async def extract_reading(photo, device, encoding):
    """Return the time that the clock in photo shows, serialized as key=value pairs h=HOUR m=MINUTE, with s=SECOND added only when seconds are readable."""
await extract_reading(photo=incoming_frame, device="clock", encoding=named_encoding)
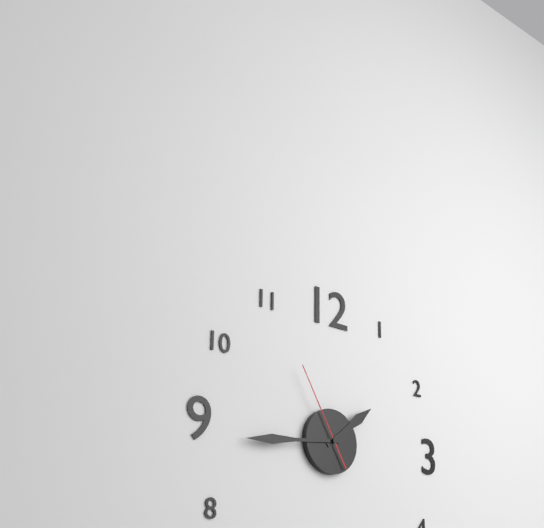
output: h=1 m=44 s=55
